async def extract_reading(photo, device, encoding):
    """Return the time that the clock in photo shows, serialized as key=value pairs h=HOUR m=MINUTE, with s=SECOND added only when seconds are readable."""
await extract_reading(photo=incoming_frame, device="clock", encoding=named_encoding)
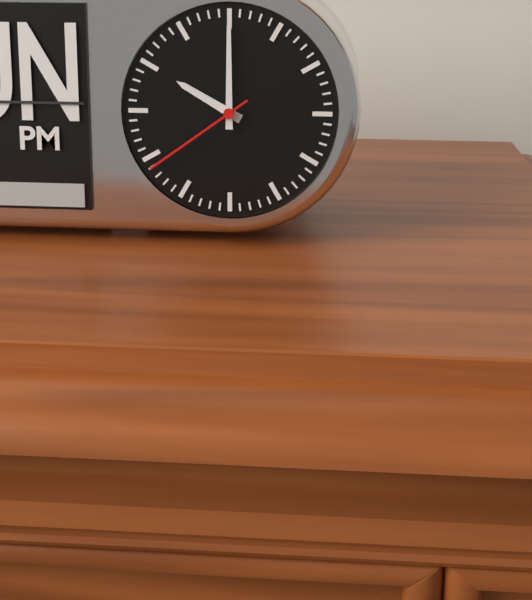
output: h=10 m=0 s=39
